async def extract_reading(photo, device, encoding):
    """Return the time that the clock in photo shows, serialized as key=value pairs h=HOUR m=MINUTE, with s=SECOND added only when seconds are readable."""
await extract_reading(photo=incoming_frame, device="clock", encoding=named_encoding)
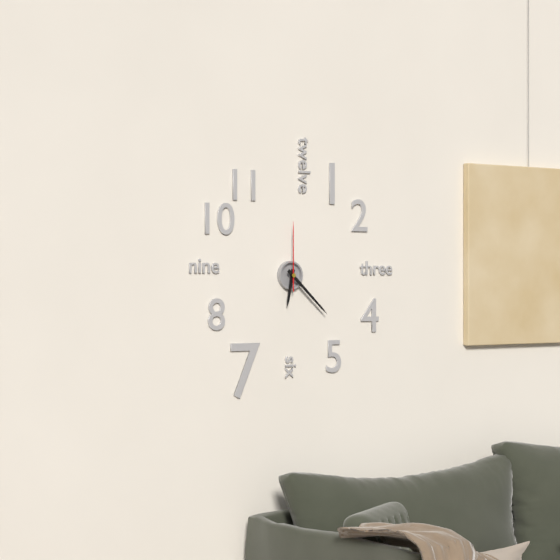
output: h=6 m=22 s=0
